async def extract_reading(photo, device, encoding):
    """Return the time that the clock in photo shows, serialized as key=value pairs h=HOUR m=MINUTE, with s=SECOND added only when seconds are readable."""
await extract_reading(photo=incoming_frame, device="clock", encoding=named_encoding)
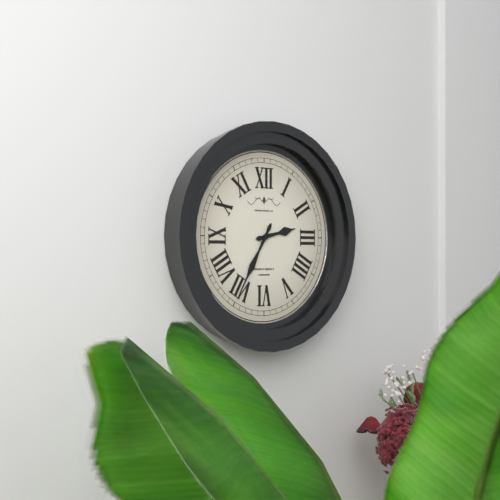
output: h=2 m=35
